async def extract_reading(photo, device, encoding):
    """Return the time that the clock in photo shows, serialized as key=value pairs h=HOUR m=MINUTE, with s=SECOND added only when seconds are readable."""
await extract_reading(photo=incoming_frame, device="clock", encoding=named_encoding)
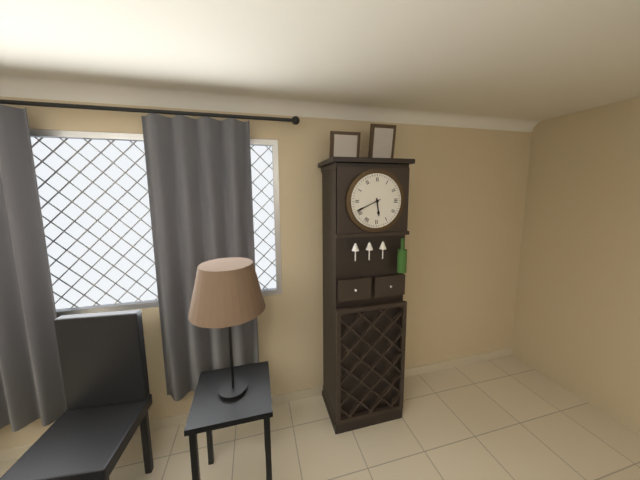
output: h=5 m=41
